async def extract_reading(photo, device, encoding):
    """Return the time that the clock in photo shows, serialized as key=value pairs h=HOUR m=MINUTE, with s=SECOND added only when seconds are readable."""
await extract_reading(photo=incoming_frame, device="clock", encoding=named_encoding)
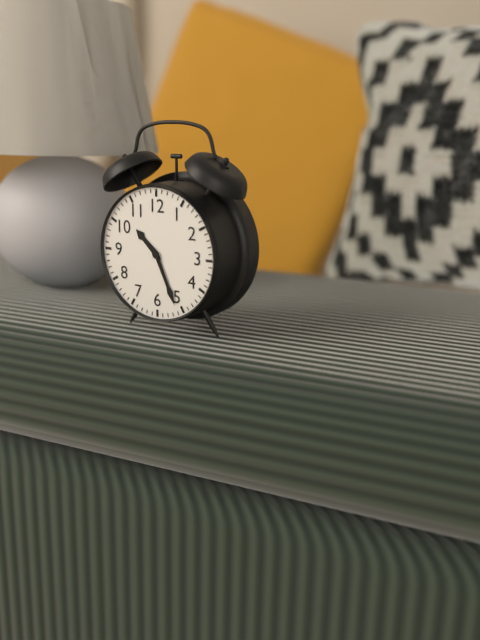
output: h=10 m=26
